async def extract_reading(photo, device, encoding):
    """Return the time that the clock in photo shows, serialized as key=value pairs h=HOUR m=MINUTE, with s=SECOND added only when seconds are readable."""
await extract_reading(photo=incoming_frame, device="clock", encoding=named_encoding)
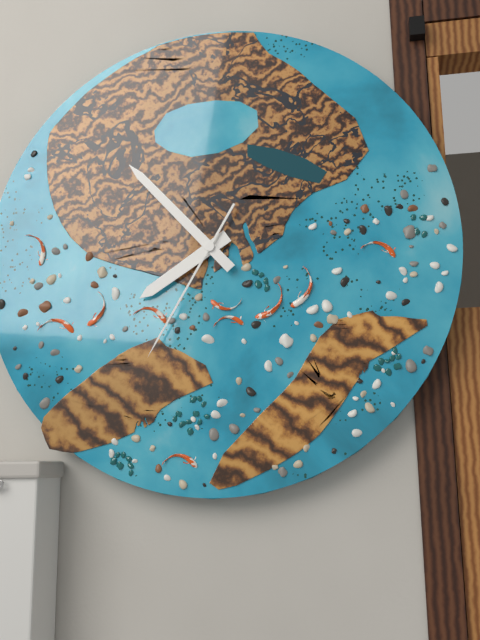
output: h=7 m=53 s=35
